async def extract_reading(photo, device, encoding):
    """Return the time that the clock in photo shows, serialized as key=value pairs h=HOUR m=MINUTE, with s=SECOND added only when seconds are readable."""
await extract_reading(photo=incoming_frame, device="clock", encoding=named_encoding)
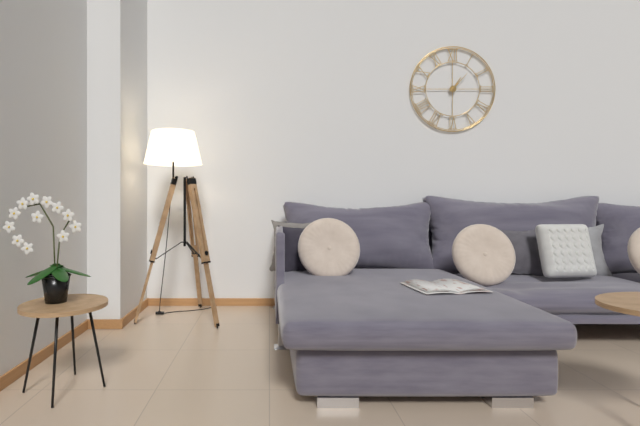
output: h=1 m=7
